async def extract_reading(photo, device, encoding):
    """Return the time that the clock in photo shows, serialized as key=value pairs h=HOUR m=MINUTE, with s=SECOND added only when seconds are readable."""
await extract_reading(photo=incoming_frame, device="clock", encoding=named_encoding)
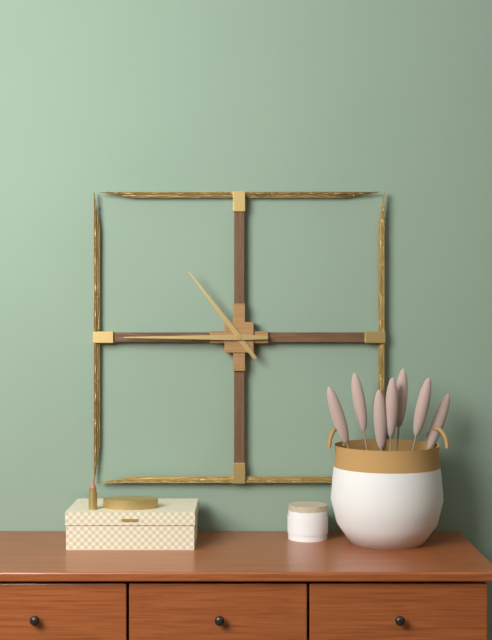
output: h=10 m=45
